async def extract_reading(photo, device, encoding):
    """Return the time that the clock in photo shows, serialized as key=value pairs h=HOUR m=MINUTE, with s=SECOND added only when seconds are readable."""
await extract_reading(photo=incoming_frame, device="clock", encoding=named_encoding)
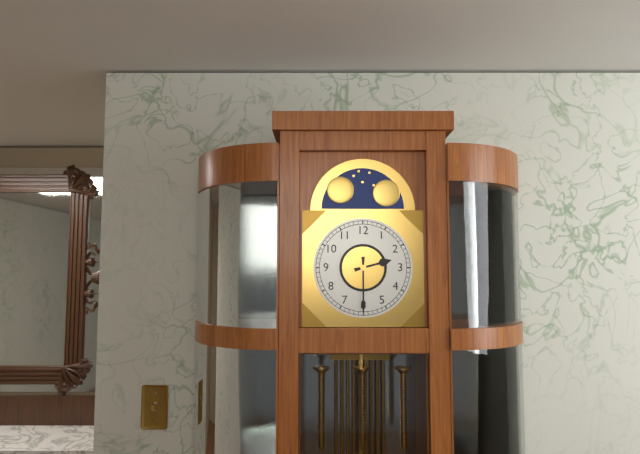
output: h=2 m=30
